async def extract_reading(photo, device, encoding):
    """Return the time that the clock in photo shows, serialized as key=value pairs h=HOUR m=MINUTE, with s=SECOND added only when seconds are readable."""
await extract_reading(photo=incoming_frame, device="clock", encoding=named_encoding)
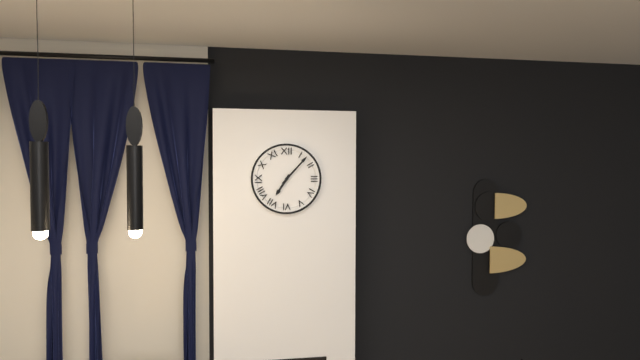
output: h=7 m=7
